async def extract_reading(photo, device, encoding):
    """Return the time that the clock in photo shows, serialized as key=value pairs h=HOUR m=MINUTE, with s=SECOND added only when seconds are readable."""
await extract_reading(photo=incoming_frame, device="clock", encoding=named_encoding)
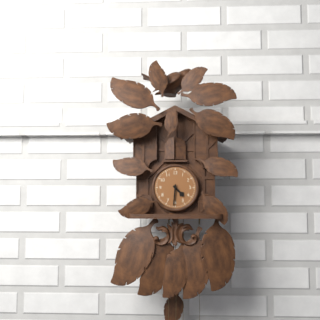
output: h=4 m=31
